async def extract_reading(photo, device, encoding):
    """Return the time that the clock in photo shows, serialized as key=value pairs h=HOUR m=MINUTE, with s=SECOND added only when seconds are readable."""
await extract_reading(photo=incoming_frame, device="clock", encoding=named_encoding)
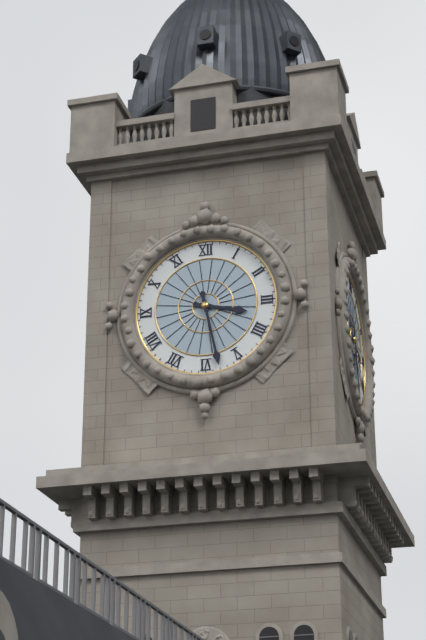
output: h=3 m=28
